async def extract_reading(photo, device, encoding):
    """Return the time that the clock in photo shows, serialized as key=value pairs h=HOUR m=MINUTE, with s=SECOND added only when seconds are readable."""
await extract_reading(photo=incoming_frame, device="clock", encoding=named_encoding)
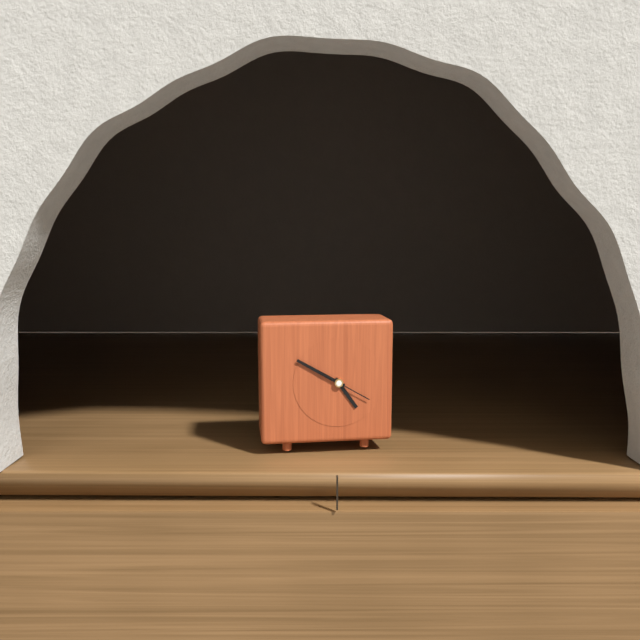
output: h=4 m=50
